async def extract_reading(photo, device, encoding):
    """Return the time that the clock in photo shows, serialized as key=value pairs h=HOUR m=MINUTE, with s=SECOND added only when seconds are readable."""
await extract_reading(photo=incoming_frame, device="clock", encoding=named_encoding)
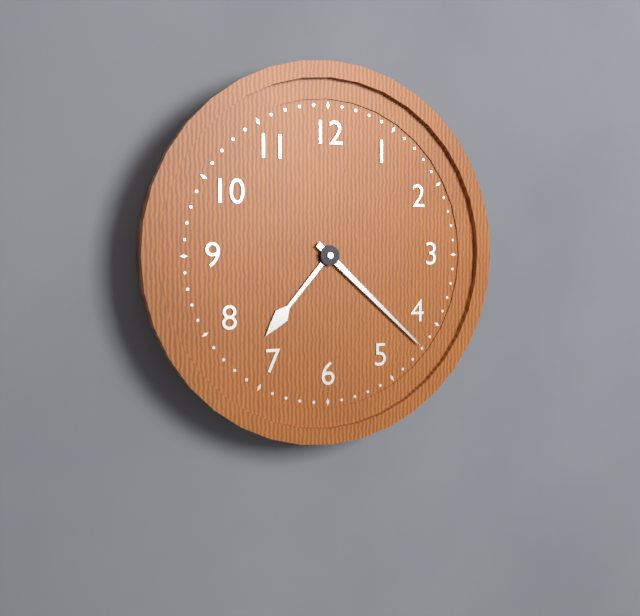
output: h=7 m=22
